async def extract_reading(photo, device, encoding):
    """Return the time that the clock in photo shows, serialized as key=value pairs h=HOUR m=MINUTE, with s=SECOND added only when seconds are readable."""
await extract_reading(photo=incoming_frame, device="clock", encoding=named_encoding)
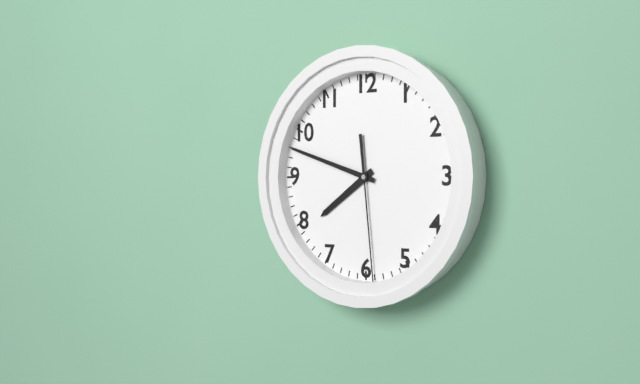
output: h=7 m=48 s=29
